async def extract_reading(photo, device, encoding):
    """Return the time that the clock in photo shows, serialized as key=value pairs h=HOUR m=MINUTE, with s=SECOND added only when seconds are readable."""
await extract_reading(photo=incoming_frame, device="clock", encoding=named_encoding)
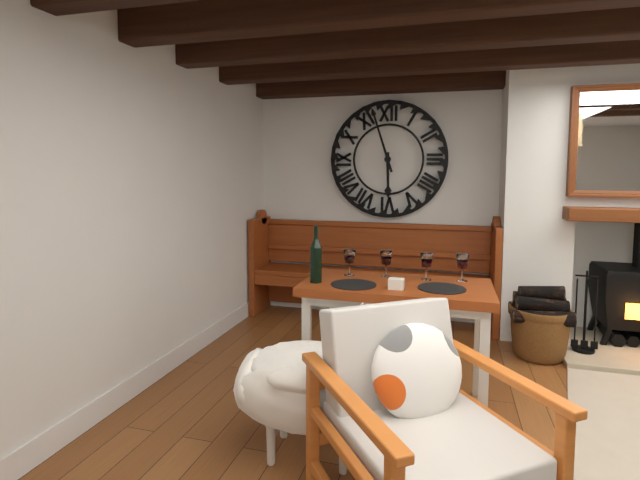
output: h=5 m=57
